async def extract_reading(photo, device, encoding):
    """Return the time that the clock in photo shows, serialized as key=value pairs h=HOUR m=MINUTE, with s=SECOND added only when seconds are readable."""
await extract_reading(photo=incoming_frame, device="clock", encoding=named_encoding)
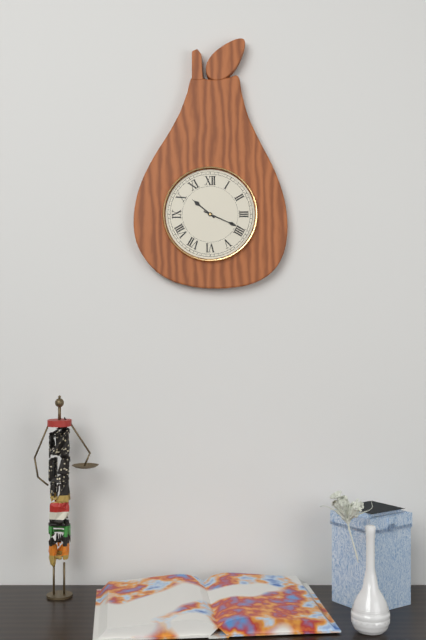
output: h=10 m=19
